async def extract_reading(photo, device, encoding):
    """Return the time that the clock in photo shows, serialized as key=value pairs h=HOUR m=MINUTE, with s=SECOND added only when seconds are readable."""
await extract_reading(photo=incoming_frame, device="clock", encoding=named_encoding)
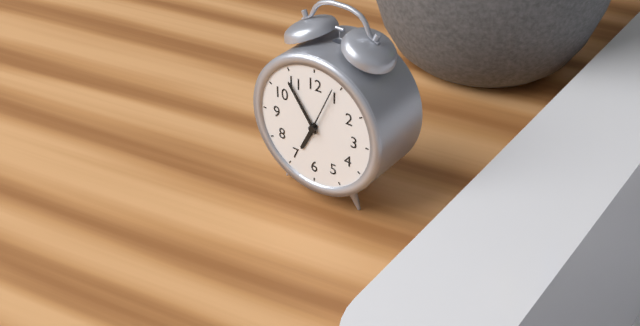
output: h=6 m=54 s=4
